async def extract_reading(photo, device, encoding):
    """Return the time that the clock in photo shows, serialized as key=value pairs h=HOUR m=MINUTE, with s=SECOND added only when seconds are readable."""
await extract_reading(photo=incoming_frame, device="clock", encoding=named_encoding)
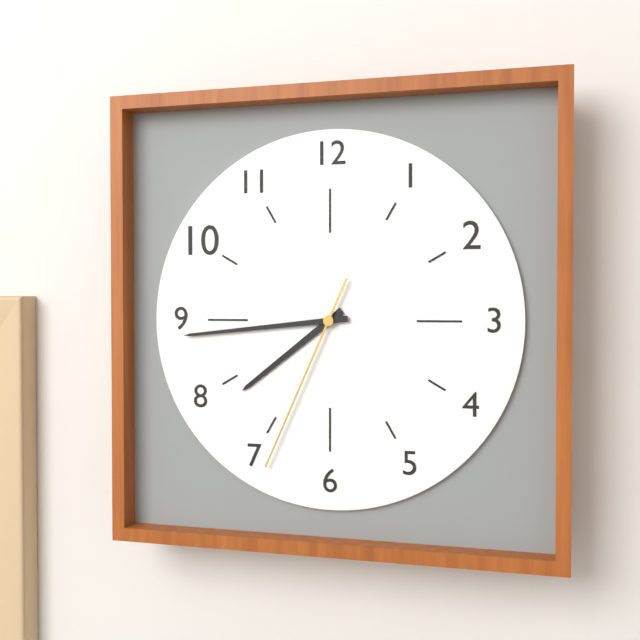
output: h=7 m=44 s=34
